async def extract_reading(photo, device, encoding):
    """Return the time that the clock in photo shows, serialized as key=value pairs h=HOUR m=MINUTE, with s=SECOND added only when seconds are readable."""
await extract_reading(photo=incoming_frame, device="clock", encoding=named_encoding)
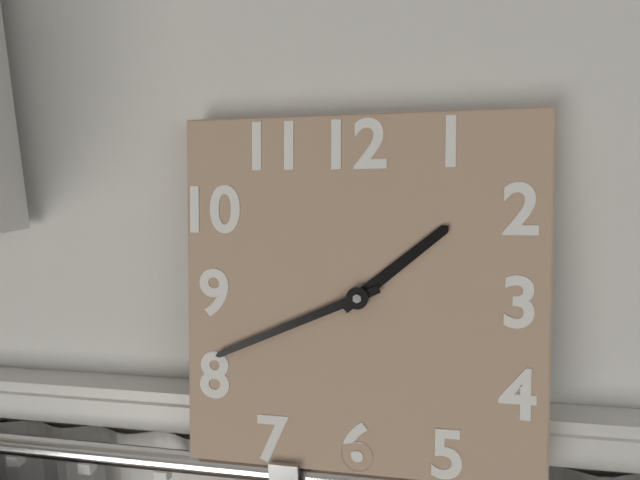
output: h=1 m=41
